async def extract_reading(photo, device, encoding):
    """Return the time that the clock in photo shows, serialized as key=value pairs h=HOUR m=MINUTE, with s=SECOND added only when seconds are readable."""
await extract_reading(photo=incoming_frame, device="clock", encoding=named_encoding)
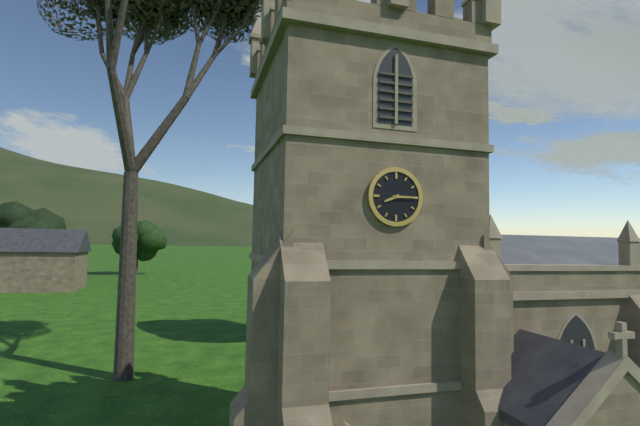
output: h=8 m=15
